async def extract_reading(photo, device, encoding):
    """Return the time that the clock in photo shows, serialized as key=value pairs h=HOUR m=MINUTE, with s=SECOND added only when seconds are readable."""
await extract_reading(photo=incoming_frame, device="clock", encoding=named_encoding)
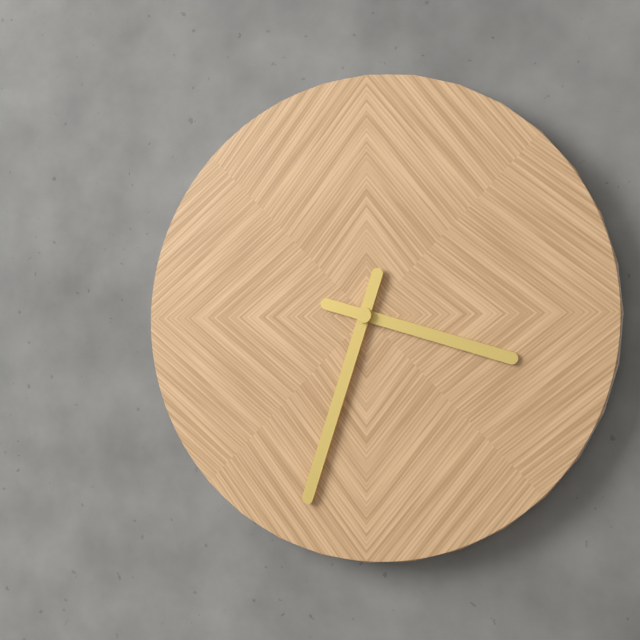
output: h=3 m=33
